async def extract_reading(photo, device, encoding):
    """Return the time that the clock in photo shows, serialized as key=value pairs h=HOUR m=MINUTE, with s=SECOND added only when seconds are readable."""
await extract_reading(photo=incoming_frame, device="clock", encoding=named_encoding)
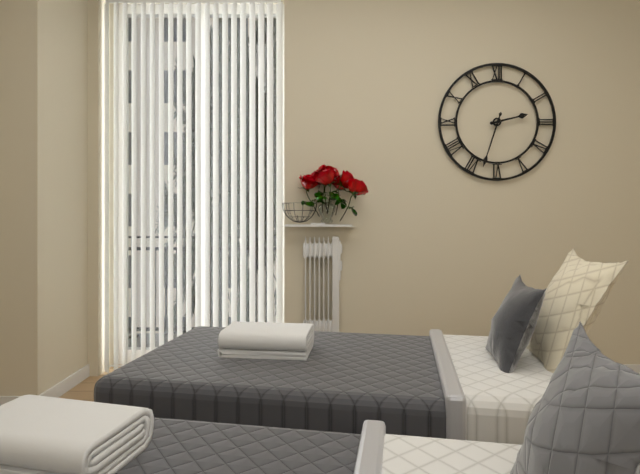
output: h=2 m=33
